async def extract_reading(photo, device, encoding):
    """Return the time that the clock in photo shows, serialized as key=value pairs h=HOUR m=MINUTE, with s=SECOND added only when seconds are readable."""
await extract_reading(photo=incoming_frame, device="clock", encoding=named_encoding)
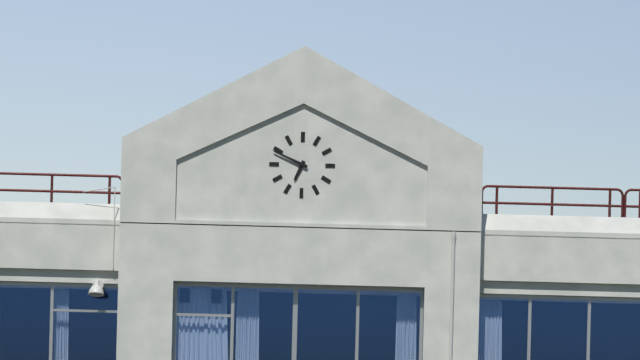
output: h=6 m=49
